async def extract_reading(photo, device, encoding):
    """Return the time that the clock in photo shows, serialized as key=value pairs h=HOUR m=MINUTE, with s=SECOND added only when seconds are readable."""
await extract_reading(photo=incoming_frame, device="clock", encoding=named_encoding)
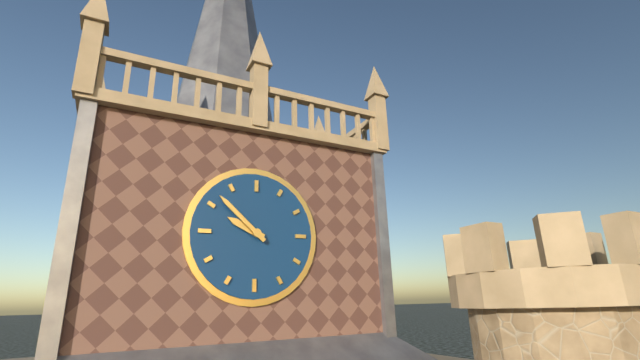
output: h=9 m=52
